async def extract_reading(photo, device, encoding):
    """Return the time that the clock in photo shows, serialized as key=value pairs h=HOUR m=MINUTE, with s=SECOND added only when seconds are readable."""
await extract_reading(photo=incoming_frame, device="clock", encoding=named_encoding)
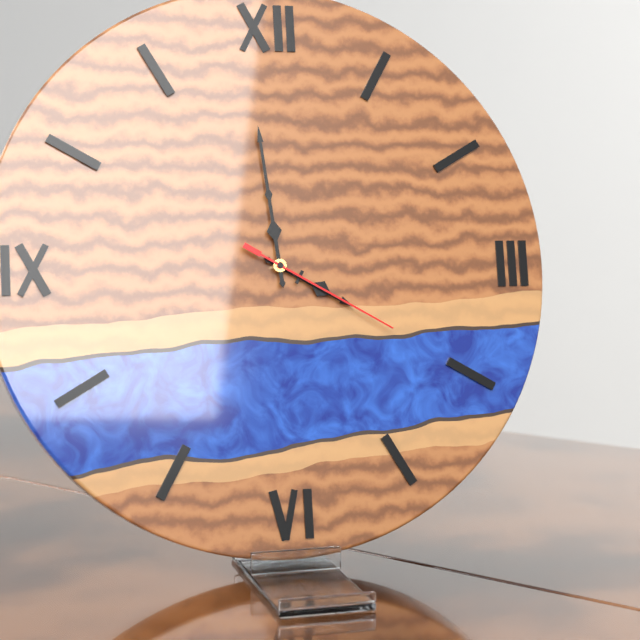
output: h=3 m=59 s=20
